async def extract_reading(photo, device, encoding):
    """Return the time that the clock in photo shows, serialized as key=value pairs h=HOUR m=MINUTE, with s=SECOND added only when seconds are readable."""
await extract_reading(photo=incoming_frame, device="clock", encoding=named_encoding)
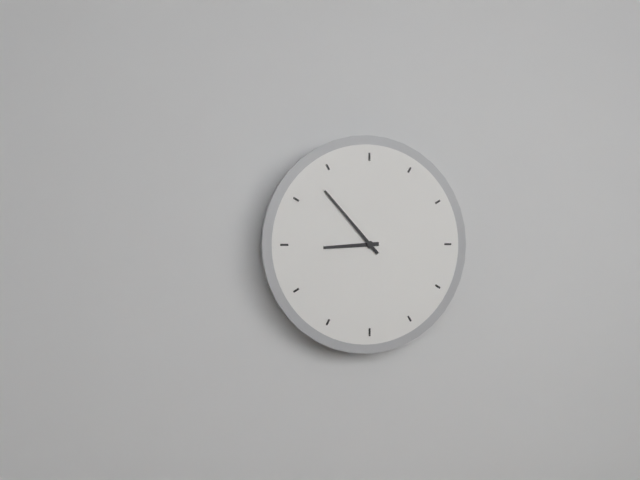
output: h=8 m=53
